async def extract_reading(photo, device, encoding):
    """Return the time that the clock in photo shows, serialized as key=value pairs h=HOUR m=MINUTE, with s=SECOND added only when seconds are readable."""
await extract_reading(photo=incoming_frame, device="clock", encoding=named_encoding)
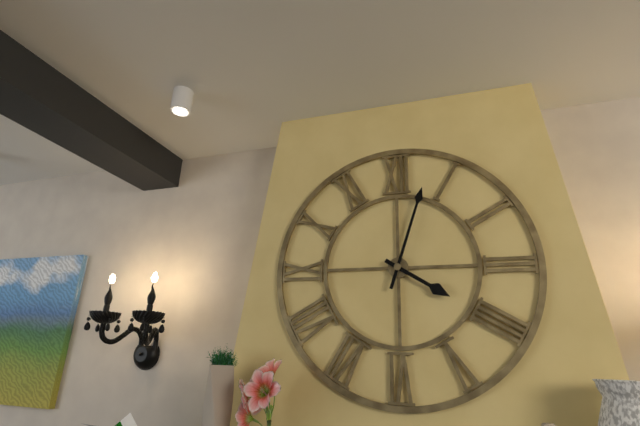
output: h=4 m=3
